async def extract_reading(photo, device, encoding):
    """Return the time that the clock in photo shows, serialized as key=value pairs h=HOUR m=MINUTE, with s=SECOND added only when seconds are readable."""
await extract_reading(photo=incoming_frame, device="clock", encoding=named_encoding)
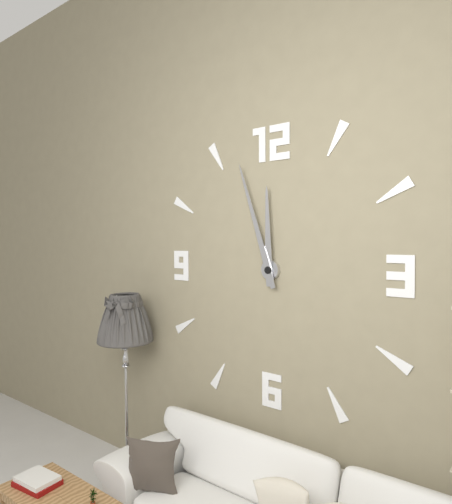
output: h=11 m=57
